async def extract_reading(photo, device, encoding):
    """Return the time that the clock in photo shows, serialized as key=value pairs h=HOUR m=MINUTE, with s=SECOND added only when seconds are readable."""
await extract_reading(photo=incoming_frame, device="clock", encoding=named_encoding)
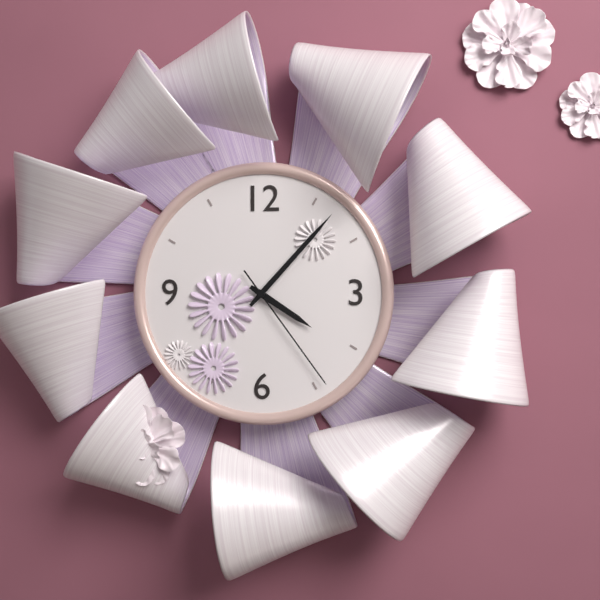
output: h=4 m=7 s=24
